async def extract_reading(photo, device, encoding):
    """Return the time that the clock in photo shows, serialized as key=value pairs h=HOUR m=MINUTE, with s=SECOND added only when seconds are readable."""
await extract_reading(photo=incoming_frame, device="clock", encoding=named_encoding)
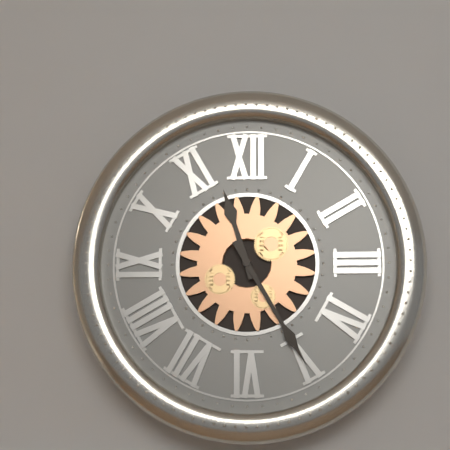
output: h=11 m=25
